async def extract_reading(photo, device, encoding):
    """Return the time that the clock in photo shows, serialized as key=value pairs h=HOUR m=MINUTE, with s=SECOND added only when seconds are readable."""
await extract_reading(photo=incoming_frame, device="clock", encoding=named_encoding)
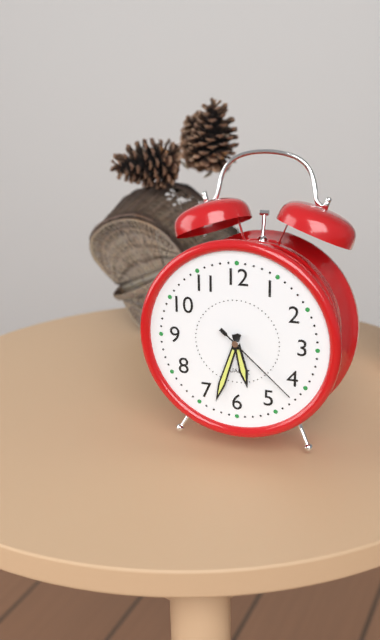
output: h=5 m=33 s=22
